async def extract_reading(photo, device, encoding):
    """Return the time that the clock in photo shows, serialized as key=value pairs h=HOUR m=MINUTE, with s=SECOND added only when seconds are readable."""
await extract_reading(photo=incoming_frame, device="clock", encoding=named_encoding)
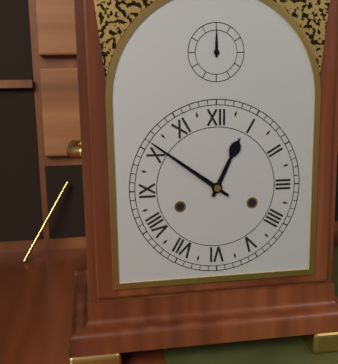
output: h=12 m=51
